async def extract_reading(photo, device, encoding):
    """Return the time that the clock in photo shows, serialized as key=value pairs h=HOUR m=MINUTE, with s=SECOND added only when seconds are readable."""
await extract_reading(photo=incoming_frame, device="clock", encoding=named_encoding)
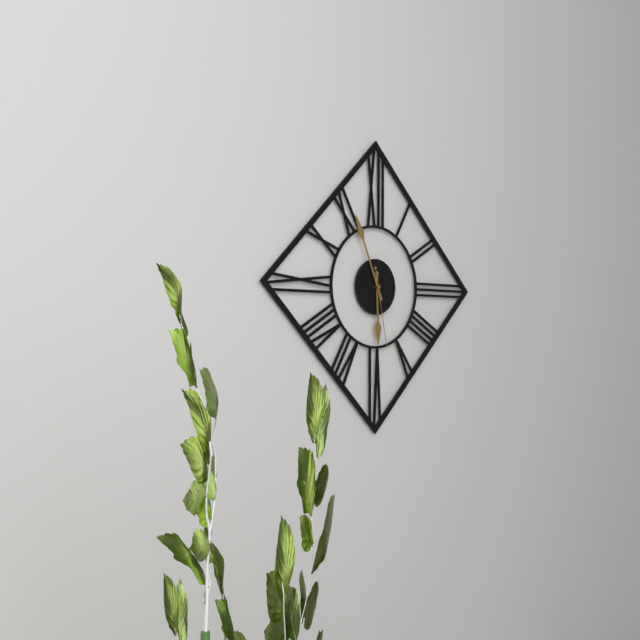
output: h=5 m=56 s=28
